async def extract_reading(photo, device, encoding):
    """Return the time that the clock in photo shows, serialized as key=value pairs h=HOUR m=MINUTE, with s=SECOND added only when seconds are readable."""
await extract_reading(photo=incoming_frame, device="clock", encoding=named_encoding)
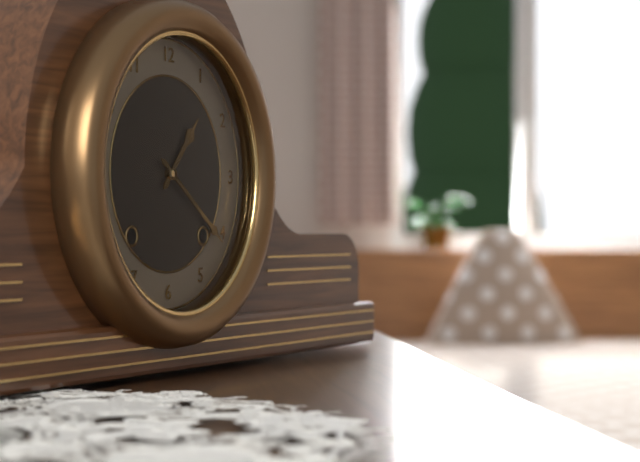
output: h=1 m=21
